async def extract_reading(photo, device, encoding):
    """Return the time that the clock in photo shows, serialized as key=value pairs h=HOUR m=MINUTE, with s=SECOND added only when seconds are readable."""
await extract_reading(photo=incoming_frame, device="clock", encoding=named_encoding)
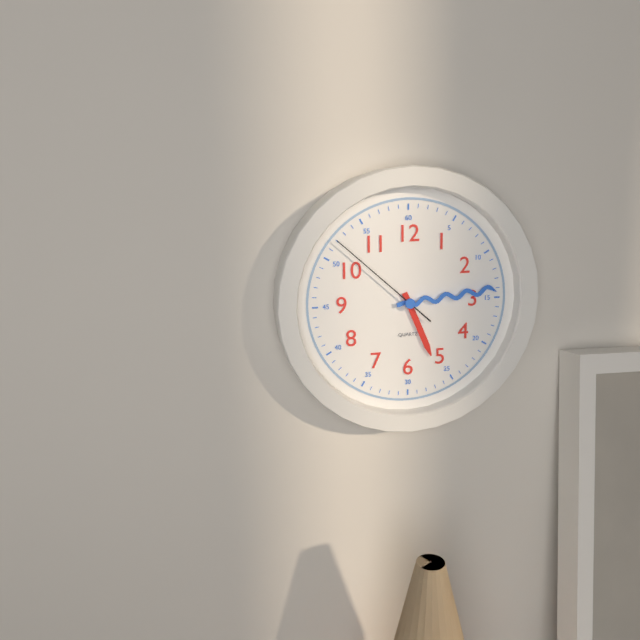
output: h=5 m=14 s=52
